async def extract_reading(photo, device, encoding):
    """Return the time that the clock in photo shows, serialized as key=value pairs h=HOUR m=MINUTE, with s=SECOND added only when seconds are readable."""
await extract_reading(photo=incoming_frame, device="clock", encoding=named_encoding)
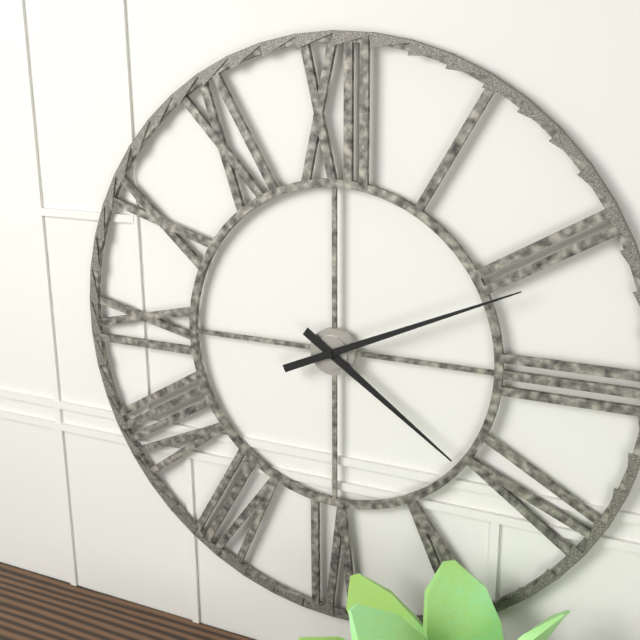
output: h=4 m=11
